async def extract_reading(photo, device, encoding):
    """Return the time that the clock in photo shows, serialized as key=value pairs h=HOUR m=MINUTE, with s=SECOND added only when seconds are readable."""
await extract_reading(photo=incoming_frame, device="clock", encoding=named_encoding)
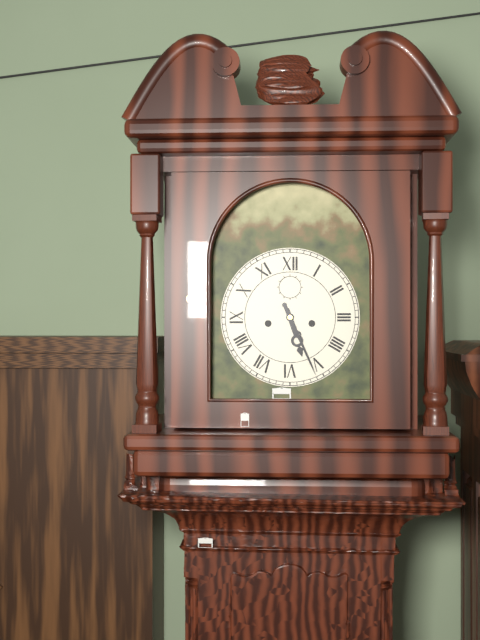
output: h=5 m=26
